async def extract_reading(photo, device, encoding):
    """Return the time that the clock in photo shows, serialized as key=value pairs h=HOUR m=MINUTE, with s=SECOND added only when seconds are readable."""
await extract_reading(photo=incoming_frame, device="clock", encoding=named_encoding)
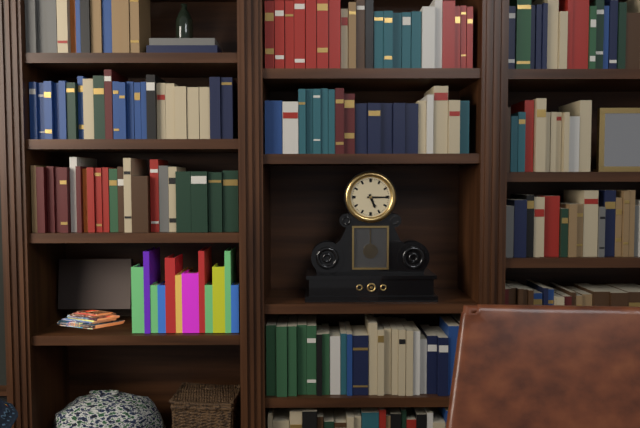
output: h=5 m=15
